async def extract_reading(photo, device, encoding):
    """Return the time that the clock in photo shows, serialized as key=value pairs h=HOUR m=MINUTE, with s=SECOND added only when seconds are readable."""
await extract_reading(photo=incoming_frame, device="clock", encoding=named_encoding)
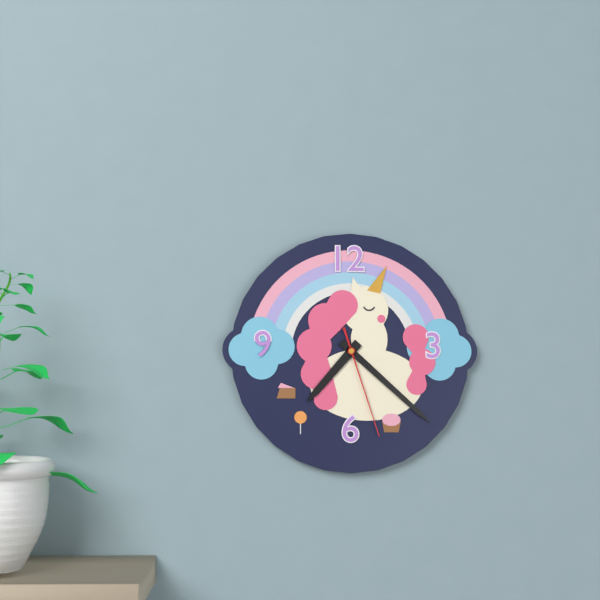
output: h=7 m=22 s=27
